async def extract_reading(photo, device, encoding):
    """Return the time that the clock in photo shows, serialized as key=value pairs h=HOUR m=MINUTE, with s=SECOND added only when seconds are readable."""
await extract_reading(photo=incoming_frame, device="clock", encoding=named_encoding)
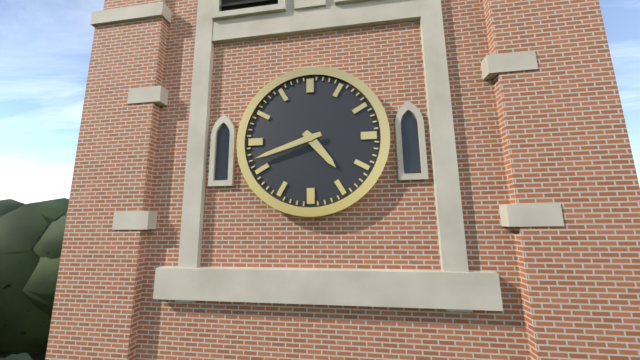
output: h=4 m=42
